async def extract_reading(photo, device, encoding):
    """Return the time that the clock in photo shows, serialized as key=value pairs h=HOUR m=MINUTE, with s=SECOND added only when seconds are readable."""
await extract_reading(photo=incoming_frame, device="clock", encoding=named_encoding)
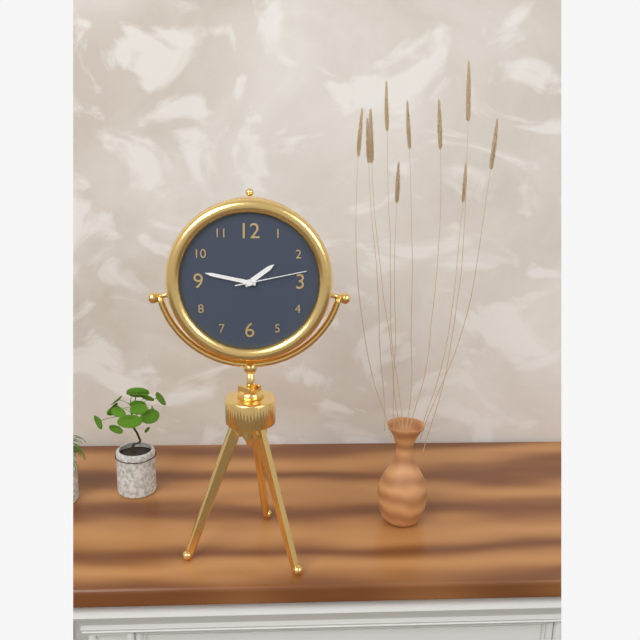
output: h=1 m=47 s=13
